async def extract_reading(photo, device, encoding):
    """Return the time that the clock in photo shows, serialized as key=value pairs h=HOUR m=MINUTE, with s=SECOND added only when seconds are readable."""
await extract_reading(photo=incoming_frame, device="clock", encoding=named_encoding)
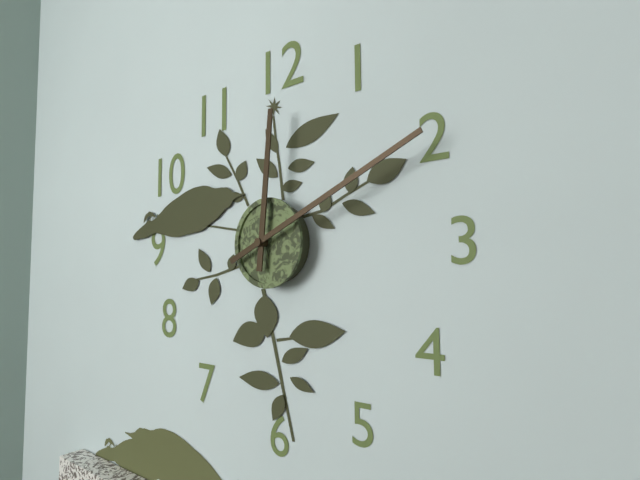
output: h=12 m=11
